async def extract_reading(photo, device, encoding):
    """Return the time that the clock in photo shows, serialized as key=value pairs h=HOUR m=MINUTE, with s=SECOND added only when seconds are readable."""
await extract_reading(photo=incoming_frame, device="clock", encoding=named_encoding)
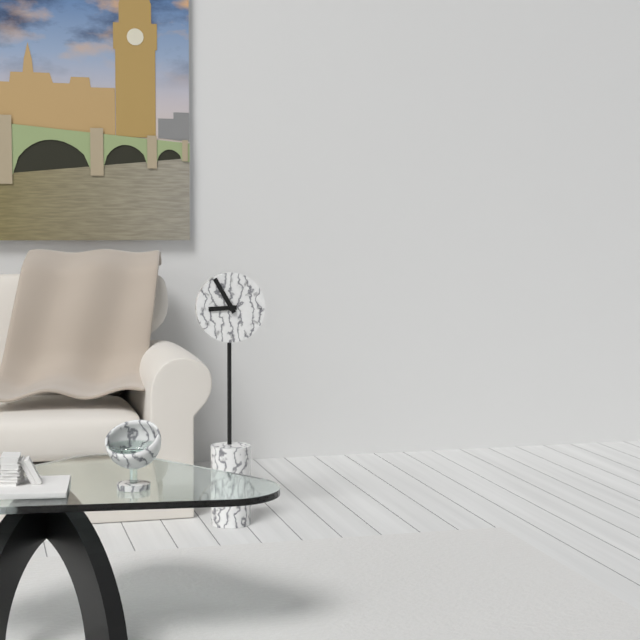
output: h=8 m=55
